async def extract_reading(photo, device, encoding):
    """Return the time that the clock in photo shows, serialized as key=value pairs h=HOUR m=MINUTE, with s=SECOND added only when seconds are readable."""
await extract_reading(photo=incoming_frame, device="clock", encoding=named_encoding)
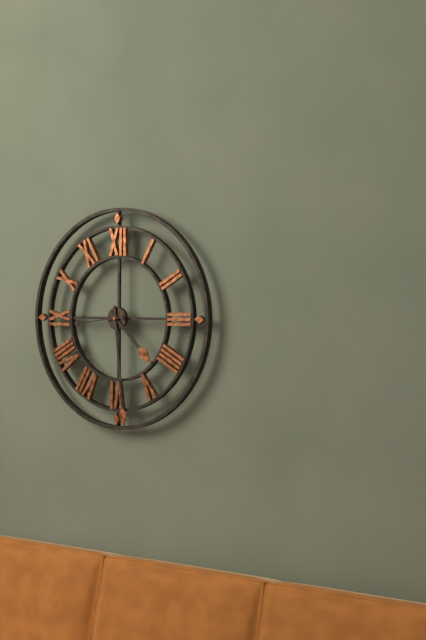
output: h=4 m=29 s=44
